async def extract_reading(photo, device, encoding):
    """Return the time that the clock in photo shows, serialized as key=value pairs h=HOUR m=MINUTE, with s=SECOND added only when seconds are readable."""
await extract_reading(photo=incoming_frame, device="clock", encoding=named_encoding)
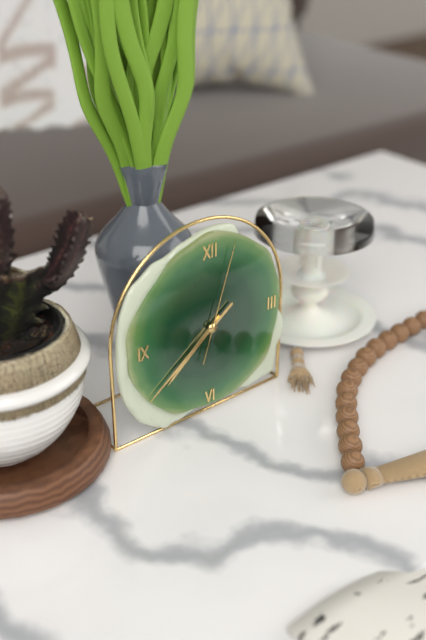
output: h=7 m=39 s=3
